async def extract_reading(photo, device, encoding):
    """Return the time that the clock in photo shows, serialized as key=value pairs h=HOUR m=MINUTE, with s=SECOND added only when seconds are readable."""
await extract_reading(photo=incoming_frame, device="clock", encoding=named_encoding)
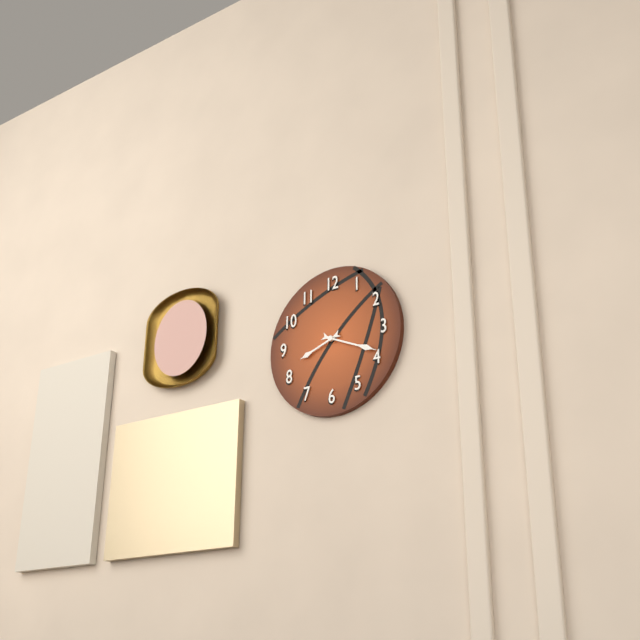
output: h=8 m=19
